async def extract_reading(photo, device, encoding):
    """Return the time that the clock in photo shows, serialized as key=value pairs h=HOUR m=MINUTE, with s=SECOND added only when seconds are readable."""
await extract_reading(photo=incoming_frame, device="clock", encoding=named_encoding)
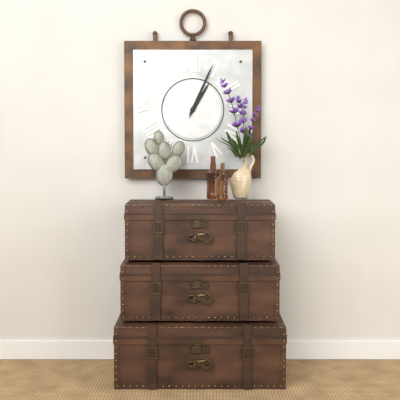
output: h=1 m=4
